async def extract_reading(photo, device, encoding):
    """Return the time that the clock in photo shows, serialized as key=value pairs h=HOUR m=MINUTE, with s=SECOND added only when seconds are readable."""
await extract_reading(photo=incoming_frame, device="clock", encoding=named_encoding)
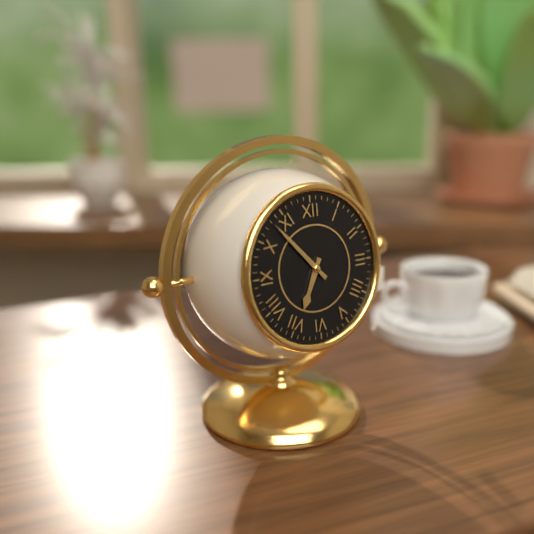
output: h=6 m=53
